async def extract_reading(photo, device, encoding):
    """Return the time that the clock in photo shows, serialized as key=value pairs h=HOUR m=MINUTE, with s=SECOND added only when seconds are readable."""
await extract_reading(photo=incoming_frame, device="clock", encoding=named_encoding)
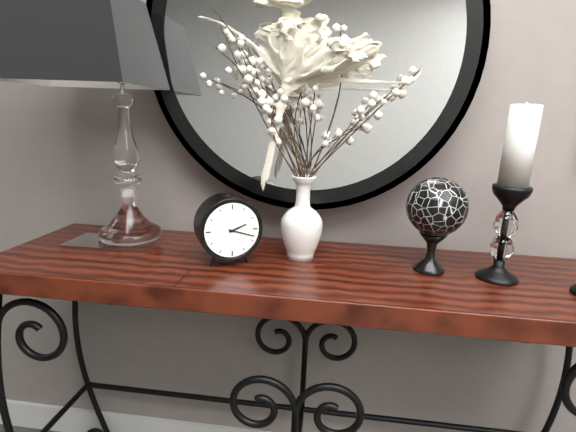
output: h=2 m=18
